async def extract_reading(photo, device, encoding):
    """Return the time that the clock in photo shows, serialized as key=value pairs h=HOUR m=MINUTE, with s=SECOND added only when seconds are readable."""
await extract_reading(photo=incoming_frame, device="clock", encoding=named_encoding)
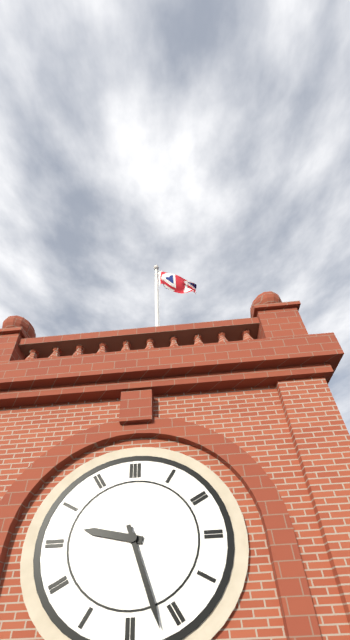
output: h=9 m=27
